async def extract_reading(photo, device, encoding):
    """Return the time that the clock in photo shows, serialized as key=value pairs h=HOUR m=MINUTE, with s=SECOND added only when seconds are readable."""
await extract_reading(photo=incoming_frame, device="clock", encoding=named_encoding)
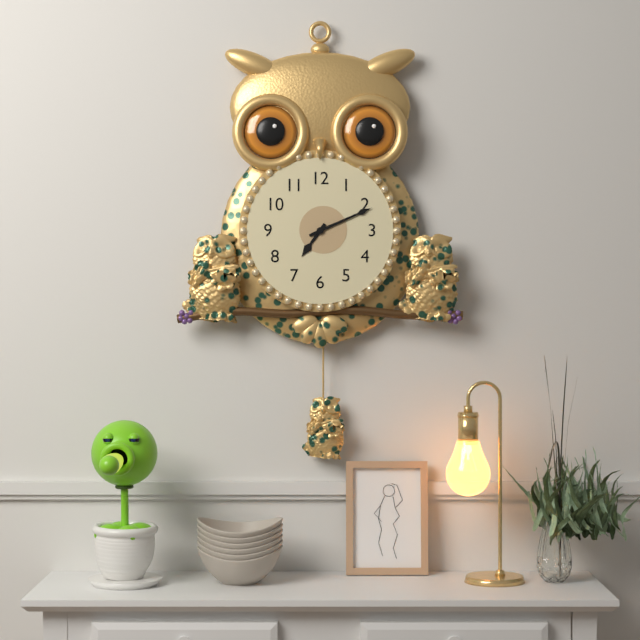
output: h=7 m=11
